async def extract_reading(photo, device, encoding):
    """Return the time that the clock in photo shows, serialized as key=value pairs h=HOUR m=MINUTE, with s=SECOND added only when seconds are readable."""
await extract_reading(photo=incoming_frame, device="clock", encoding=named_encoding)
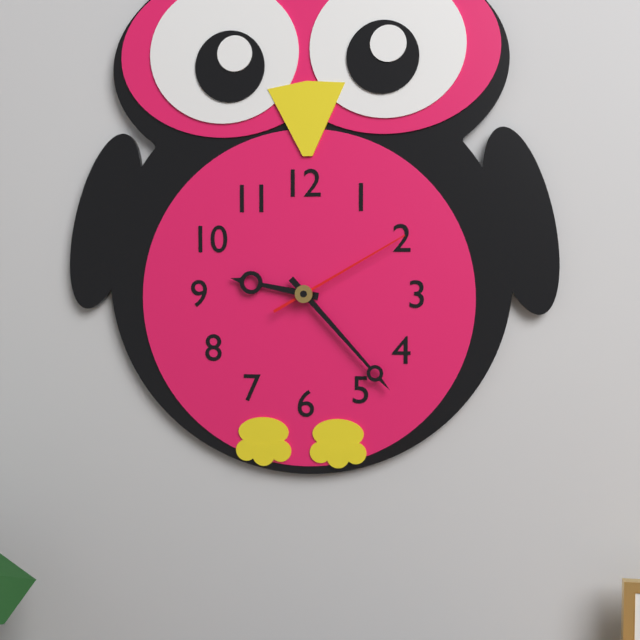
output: h=9 m=23 s=10
